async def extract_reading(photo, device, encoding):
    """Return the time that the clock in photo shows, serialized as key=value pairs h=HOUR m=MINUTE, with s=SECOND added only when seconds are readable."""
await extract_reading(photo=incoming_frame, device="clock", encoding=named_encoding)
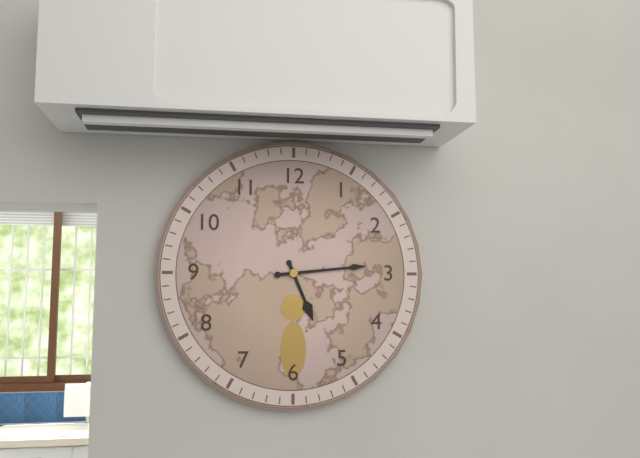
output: h=5 m=14
